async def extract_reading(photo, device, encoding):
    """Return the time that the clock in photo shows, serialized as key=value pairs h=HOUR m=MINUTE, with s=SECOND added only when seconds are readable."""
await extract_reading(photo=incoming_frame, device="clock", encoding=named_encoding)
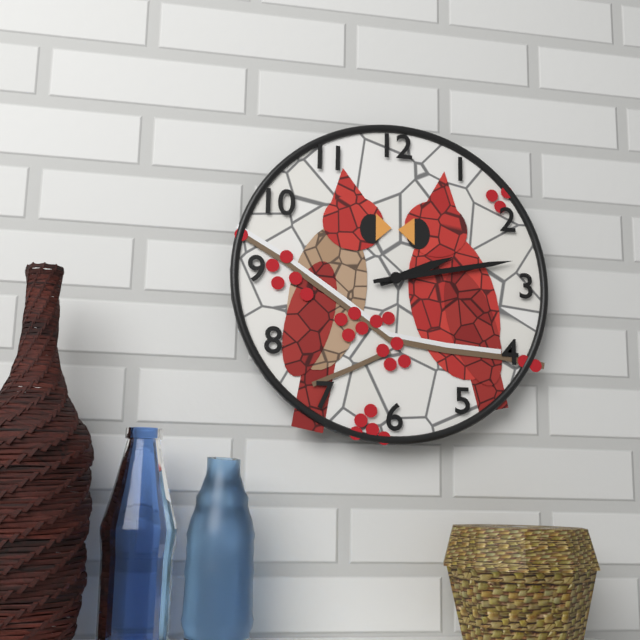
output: h=2 m=13
